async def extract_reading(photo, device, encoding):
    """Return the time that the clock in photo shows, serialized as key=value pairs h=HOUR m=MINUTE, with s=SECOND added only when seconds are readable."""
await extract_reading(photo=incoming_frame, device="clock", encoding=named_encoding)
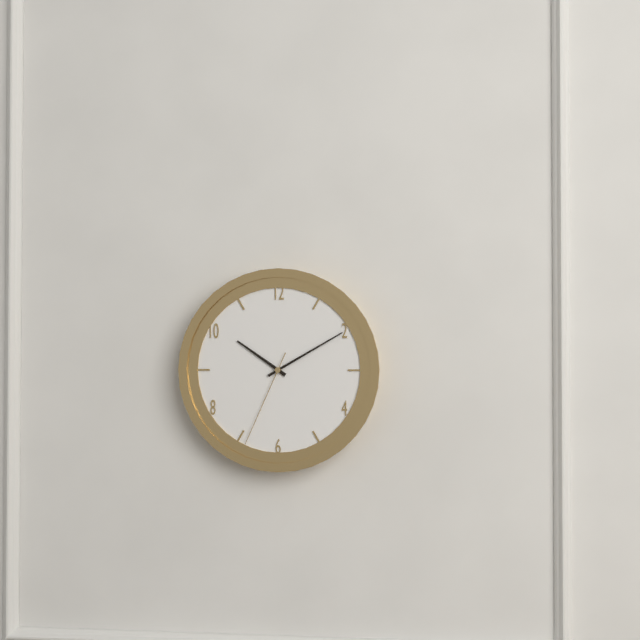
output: h=10 m=10 s=34
